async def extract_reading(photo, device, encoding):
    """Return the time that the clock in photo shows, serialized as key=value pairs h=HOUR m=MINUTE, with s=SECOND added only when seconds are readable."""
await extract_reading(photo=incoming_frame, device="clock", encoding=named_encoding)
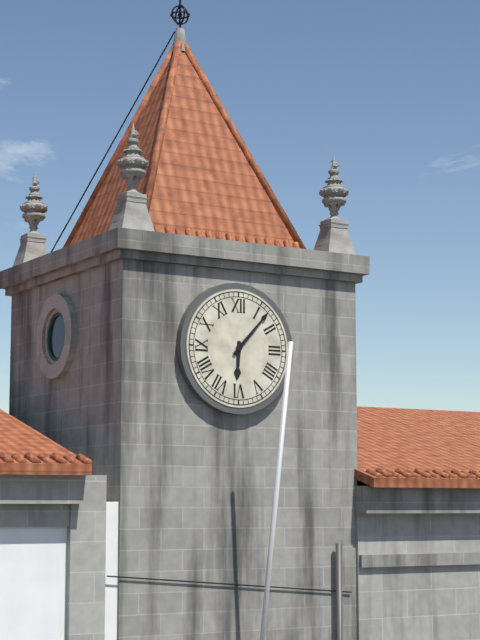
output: h=6 m=7
